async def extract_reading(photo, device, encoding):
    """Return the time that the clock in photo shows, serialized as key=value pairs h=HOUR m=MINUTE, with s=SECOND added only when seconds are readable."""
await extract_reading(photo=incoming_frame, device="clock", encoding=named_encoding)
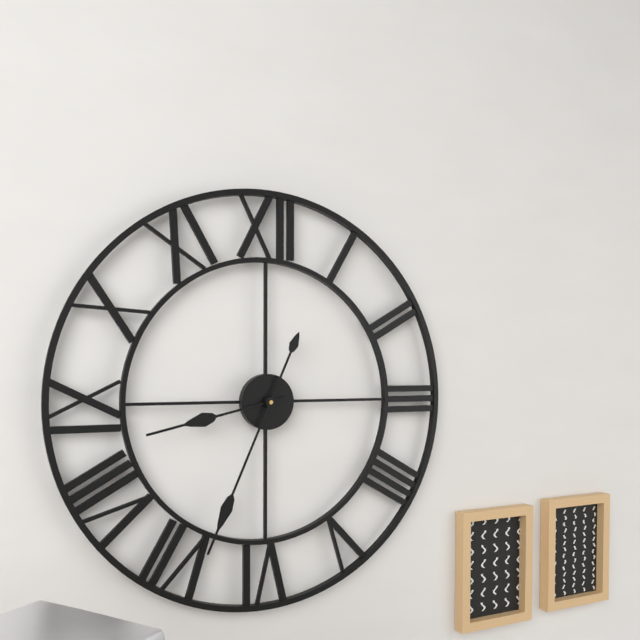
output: h=8 m=34
